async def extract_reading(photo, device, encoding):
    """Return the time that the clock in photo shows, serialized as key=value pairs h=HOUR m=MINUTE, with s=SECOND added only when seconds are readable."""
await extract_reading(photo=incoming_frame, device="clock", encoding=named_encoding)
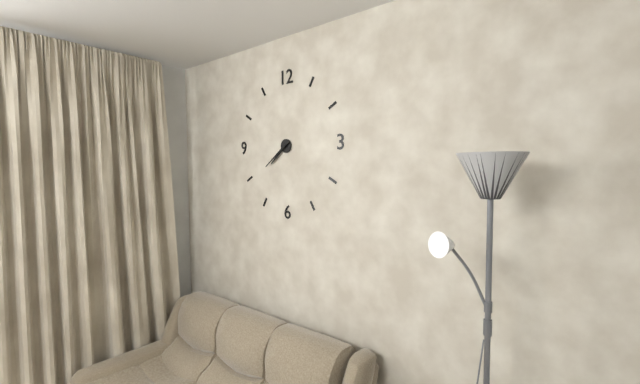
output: h=7 m=39
